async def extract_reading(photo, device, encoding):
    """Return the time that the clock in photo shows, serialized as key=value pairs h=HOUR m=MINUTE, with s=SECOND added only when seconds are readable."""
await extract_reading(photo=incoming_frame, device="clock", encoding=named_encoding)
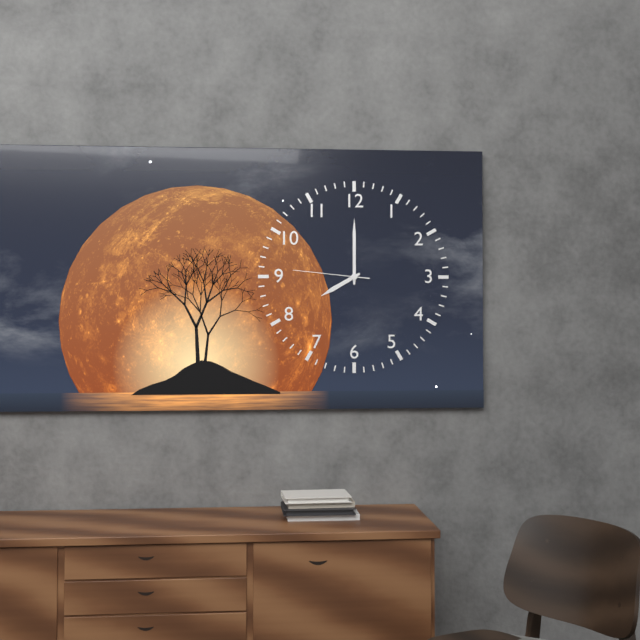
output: h=8 m=0 s=46
